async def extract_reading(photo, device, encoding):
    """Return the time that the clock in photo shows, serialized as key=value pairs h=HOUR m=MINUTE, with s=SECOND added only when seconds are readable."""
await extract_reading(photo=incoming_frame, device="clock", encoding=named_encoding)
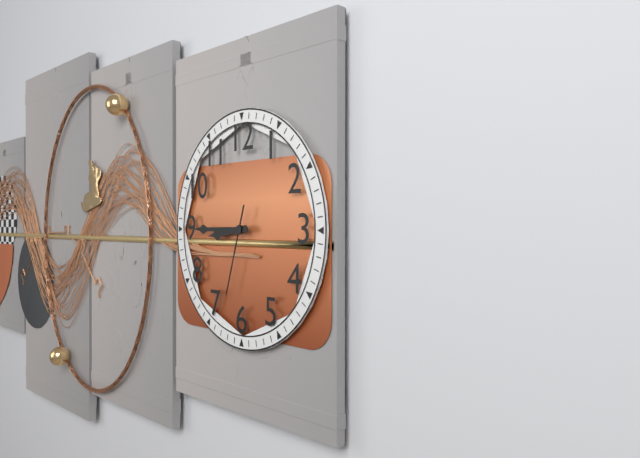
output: h=8 m=45 s=33
